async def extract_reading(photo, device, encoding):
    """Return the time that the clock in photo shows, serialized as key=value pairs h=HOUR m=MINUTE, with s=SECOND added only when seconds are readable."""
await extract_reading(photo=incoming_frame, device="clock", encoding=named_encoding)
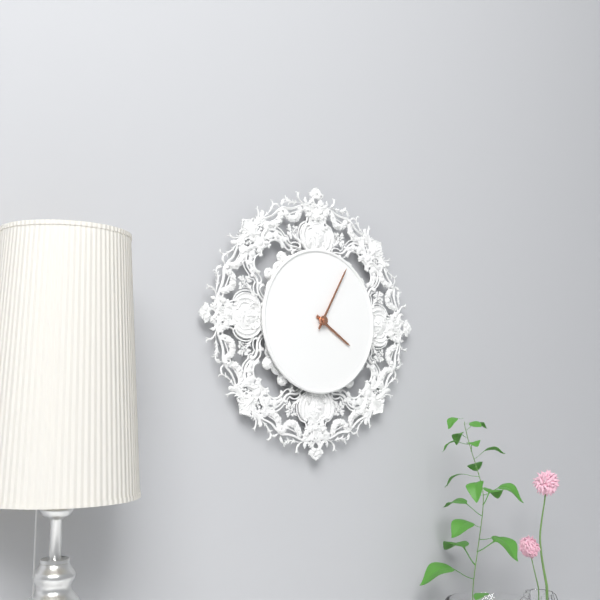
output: h=4 m=5
